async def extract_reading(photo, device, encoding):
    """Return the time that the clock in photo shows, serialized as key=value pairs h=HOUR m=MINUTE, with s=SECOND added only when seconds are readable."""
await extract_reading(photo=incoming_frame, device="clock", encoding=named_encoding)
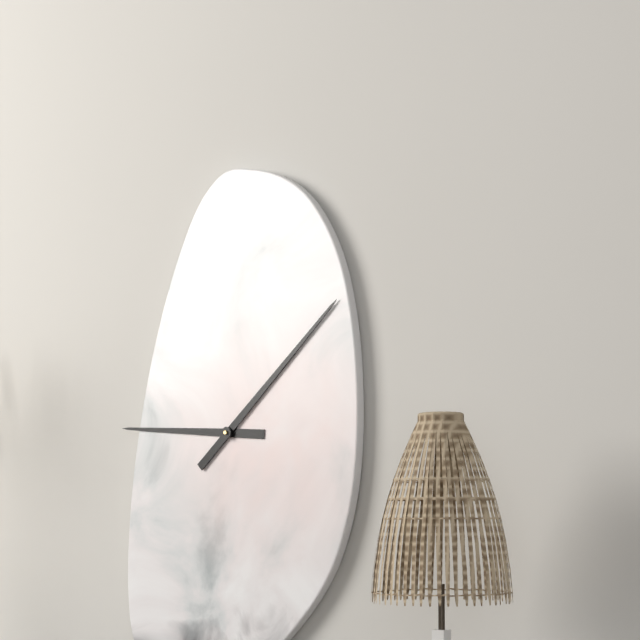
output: h=9 m=8
